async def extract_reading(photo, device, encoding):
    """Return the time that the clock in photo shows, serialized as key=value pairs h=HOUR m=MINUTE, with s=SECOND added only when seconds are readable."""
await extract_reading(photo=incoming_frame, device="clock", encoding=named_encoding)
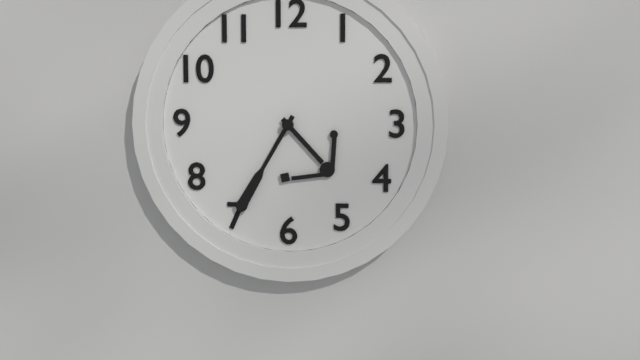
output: h=4 m=35
